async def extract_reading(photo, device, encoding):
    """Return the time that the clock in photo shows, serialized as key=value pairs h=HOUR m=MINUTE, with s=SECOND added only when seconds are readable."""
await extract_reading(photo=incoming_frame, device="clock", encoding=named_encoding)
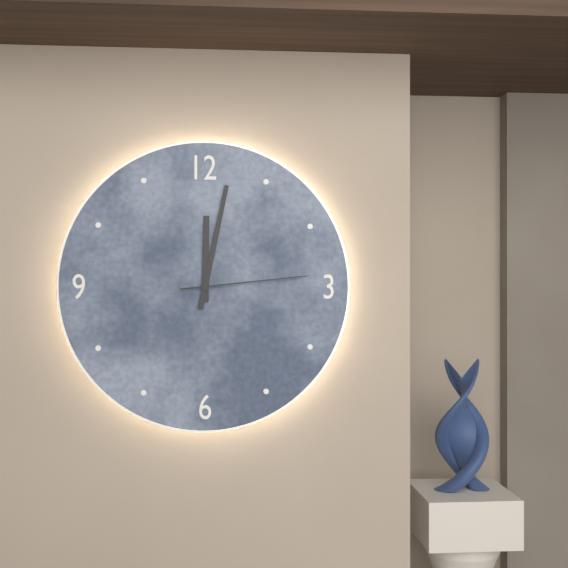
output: h=12 m=2 s=14
